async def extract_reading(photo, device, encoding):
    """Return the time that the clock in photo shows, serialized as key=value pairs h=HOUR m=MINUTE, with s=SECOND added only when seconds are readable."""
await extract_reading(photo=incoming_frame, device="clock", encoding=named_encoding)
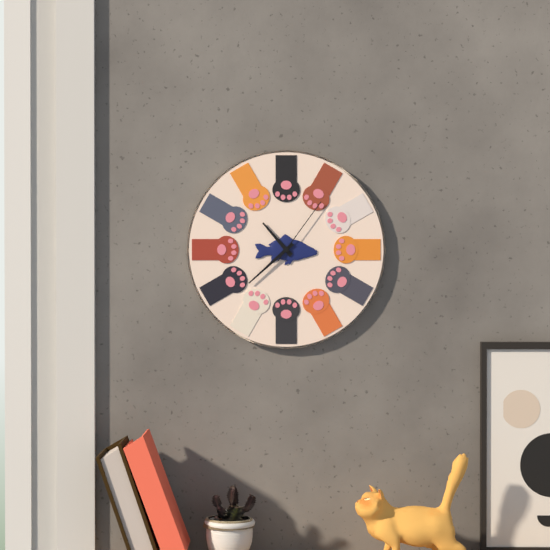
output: h=10 m=38 s=6
